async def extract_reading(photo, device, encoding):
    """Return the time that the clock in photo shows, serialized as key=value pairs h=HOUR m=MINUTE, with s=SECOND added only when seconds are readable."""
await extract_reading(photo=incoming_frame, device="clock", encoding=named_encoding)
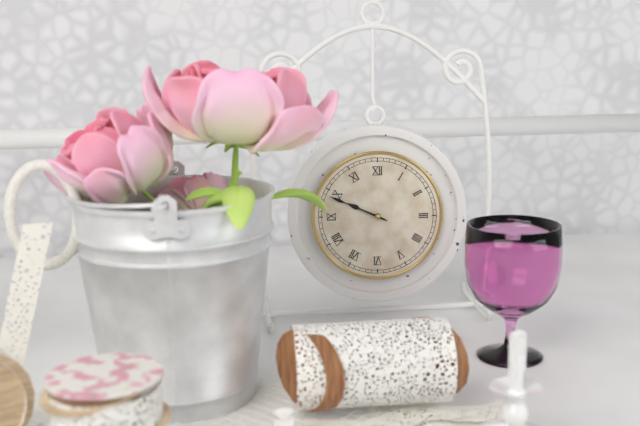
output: h=9 m=49
